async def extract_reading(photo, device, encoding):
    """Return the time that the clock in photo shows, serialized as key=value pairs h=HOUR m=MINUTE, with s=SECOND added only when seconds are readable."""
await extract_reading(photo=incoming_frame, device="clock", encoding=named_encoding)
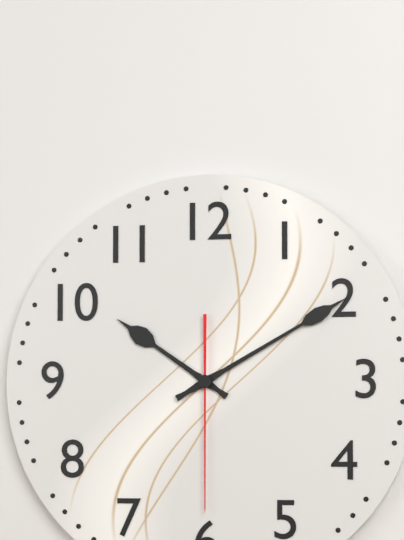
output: h=10 m=10 s=30
